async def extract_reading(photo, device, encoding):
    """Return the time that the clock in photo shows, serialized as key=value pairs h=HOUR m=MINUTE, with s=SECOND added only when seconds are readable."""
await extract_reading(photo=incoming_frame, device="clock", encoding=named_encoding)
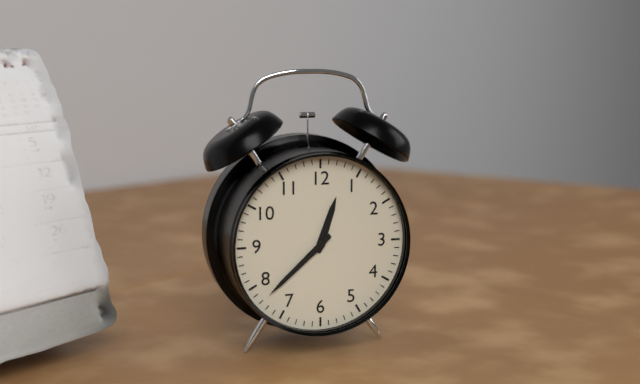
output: h=12 m=38
